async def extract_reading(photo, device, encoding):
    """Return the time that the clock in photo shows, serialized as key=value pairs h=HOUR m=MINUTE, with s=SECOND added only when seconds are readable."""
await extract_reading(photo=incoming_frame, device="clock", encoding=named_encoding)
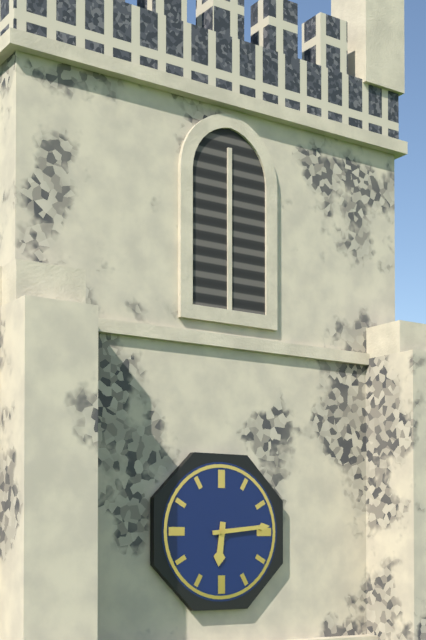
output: h=6 m=14
